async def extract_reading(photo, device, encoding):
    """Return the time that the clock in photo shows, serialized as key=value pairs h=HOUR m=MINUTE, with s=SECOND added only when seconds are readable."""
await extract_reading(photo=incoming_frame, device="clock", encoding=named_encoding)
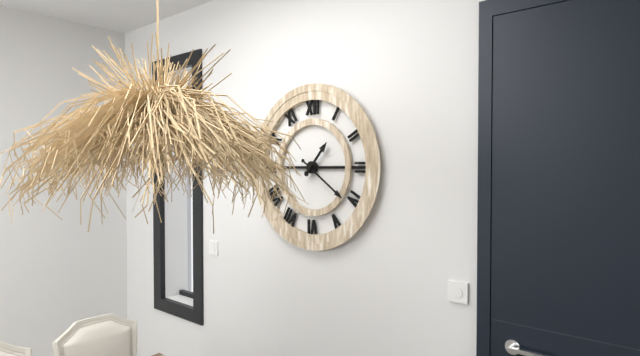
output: h=1 m=21
